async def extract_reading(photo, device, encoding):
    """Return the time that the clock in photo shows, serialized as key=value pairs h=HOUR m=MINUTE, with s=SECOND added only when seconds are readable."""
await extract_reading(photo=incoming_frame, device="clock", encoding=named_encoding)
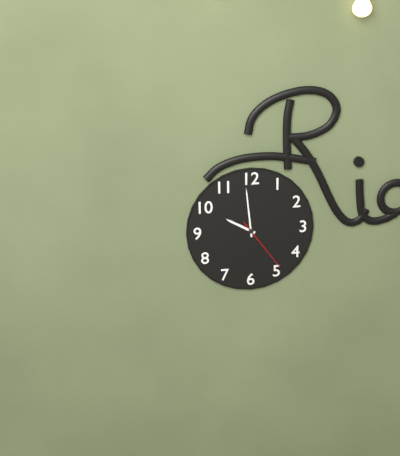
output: h=9 m=59 s=24
